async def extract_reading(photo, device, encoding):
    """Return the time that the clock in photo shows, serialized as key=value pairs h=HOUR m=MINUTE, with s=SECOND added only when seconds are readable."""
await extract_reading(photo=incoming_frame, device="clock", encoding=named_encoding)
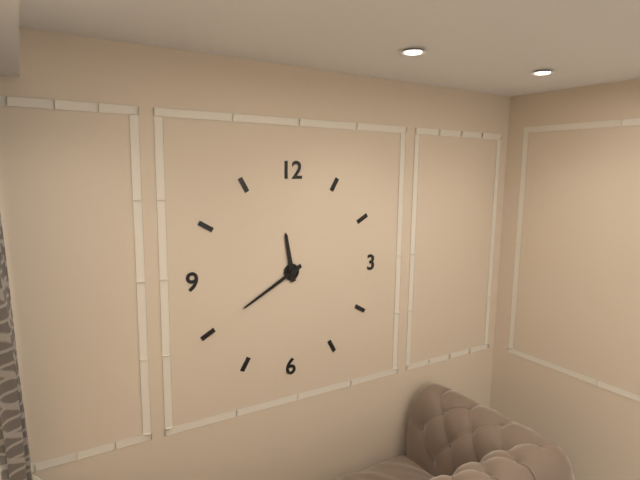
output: h=11 m=40
